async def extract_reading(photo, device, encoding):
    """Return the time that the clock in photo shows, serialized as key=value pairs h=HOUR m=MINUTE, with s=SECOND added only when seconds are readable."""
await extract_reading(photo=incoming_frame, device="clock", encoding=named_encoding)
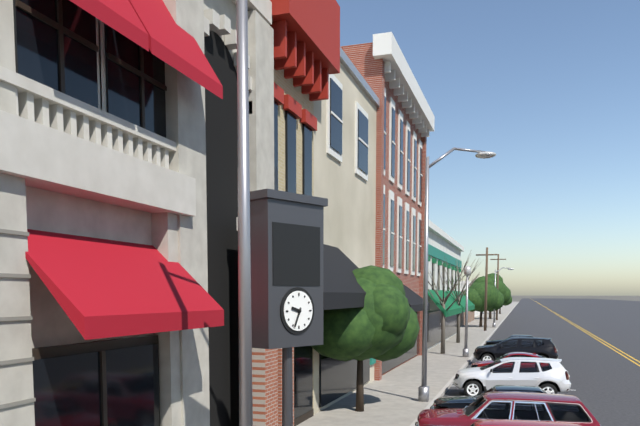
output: h=9 m=34
